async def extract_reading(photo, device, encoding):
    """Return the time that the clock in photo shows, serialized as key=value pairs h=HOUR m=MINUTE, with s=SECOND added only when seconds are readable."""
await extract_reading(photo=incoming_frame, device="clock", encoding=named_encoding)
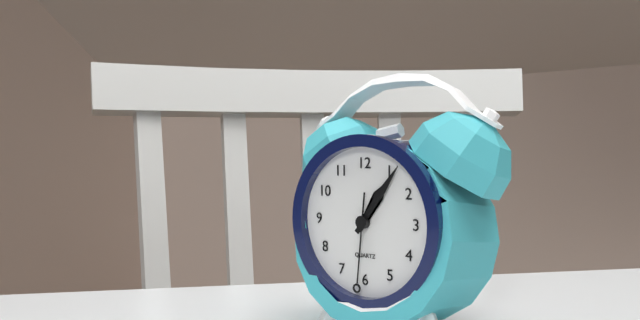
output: h=1 m=6 s=31
